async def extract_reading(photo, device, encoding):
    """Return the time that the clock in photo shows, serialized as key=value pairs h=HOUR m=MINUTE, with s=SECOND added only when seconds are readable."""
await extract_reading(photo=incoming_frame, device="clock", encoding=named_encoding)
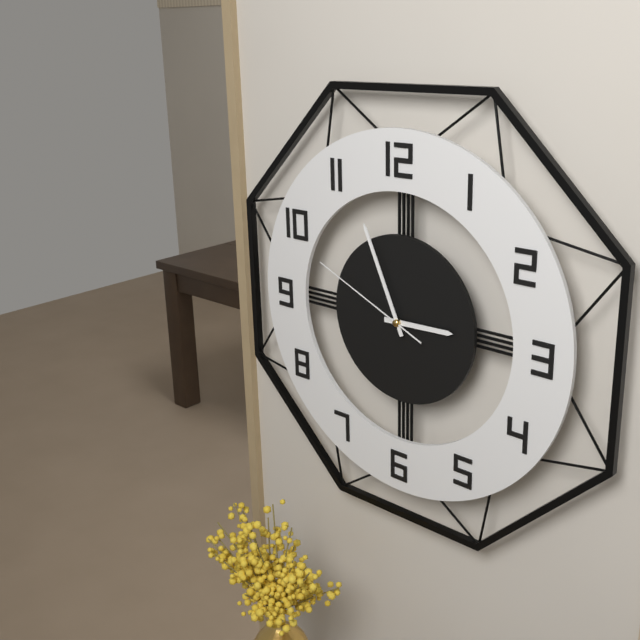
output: h=2 m=56 s=49
